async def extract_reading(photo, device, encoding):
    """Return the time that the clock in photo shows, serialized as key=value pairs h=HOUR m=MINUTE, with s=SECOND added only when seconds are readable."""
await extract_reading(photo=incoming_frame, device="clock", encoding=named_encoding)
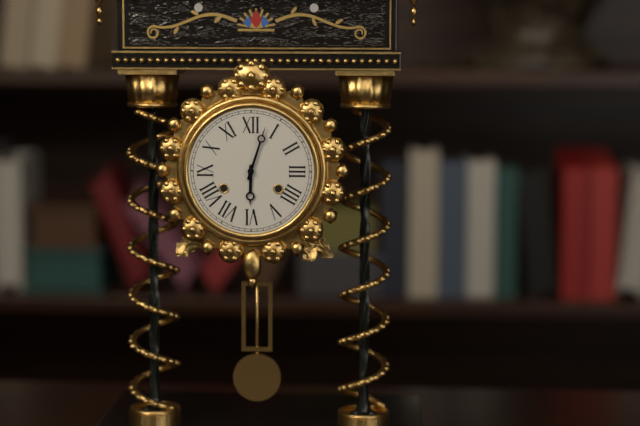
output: h=6 m=3
